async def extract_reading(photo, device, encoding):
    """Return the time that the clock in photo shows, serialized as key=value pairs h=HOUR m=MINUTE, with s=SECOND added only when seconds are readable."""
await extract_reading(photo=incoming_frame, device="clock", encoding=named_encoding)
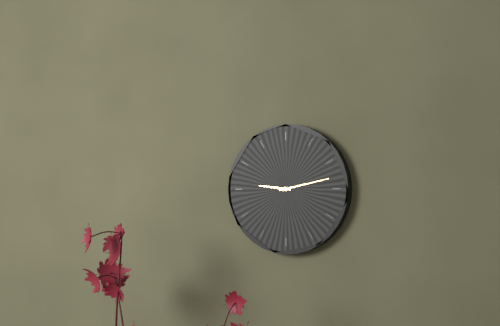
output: h=9 m=13
